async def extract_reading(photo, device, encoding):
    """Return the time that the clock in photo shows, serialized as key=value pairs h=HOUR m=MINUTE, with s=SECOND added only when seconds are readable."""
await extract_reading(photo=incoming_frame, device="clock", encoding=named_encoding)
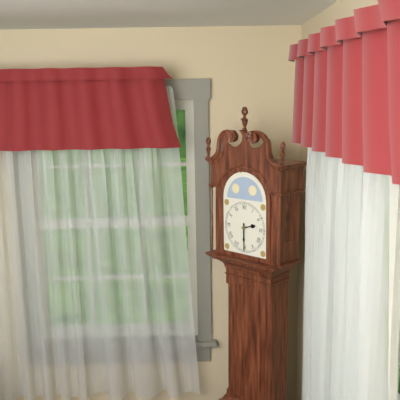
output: h=2 m=30
